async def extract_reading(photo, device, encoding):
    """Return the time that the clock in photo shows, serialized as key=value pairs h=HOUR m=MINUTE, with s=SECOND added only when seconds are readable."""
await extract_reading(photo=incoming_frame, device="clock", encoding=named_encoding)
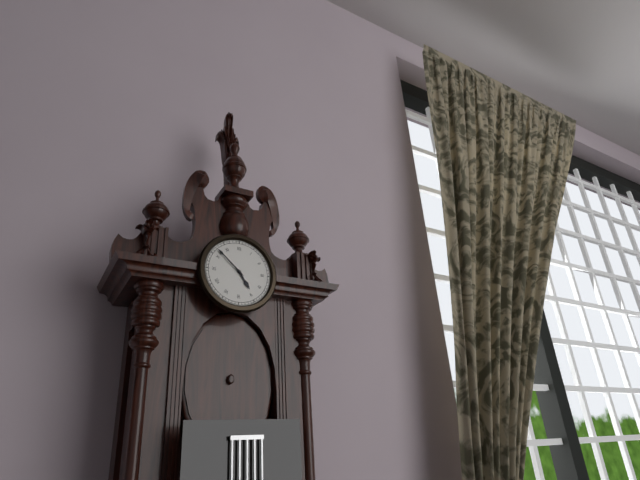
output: h=4 m=52
